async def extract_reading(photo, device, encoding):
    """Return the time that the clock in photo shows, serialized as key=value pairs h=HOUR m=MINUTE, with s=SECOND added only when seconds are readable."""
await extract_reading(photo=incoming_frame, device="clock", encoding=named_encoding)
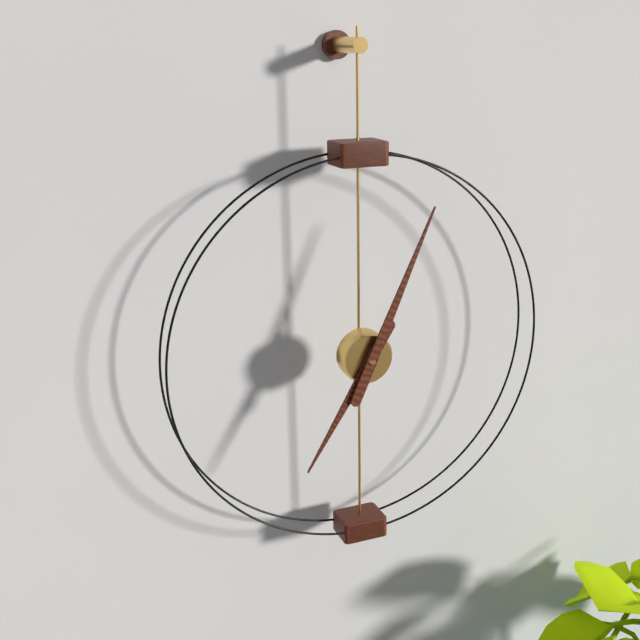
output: h=7 m=4
